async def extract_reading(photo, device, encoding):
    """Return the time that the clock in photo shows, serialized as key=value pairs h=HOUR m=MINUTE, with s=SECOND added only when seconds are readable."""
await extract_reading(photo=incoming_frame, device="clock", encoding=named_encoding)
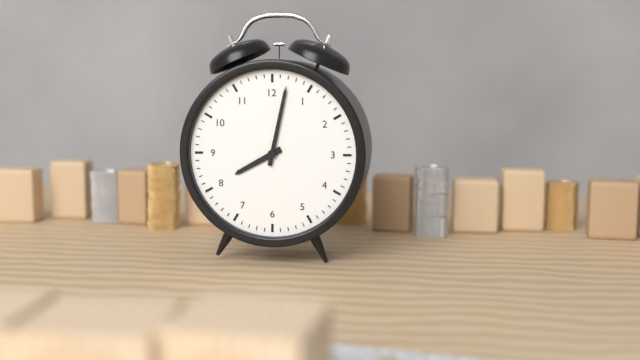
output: h=8 m=2
